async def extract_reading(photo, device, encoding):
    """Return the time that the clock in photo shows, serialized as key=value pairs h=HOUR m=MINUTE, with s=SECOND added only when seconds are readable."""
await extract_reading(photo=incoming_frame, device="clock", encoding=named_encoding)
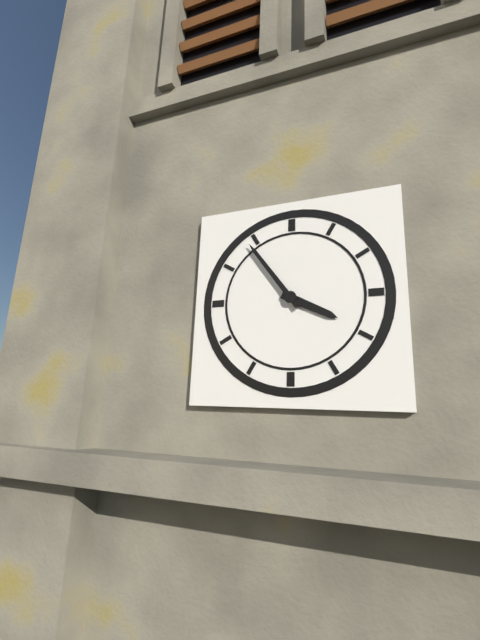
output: h=3 m=54
